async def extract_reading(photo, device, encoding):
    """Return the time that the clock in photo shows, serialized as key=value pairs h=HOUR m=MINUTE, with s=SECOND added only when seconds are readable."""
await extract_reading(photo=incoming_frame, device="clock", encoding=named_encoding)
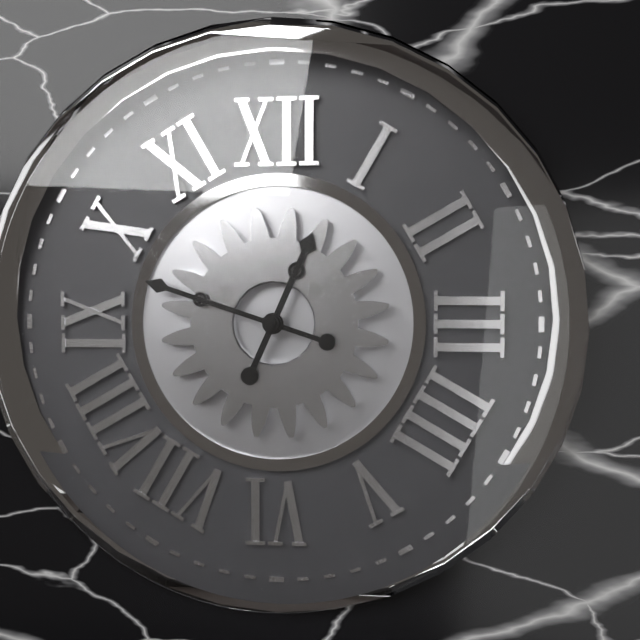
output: h=12 m=48
